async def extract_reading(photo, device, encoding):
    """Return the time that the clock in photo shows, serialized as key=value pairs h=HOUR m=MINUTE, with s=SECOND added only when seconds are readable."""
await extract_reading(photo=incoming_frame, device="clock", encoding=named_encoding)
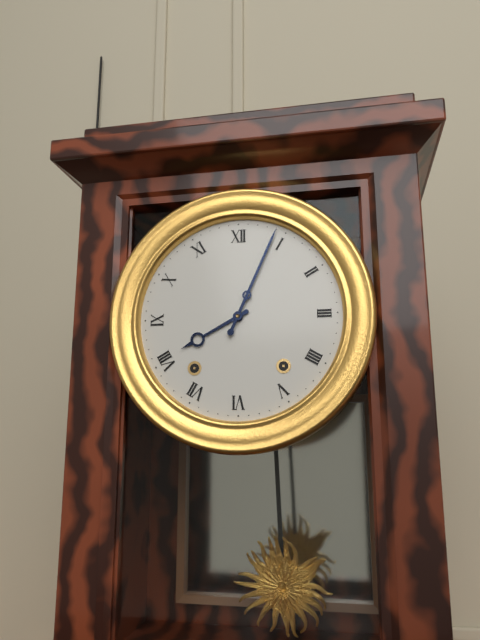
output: h=8 m=4
